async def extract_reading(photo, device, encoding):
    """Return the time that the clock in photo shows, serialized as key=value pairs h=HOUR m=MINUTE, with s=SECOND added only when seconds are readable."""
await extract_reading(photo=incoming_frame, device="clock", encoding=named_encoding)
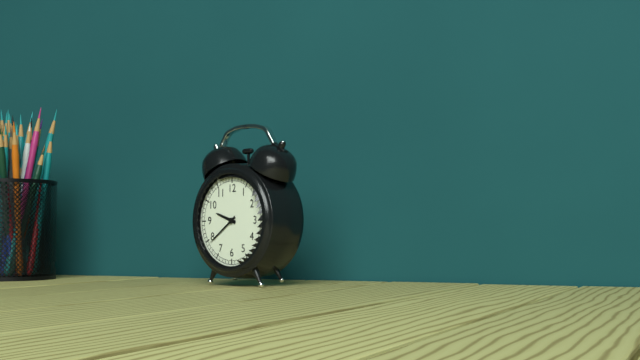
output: h=9 m=39
